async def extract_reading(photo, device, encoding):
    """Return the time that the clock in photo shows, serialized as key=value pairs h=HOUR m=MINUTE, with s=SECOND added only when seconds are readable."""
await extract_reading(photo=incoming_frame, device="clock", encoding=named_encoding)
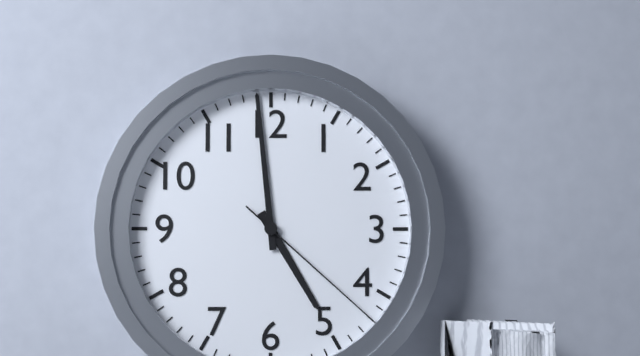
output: h=4 m=59 s=22
